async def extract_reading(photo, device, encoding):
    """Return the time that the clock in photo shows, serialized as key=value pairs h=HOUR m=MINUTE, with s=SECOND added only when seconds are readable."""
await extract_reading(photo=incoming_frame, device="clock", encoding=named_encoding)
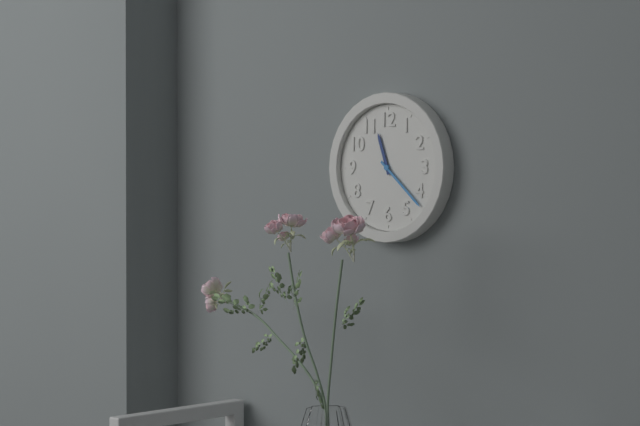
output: h=11 m=22
